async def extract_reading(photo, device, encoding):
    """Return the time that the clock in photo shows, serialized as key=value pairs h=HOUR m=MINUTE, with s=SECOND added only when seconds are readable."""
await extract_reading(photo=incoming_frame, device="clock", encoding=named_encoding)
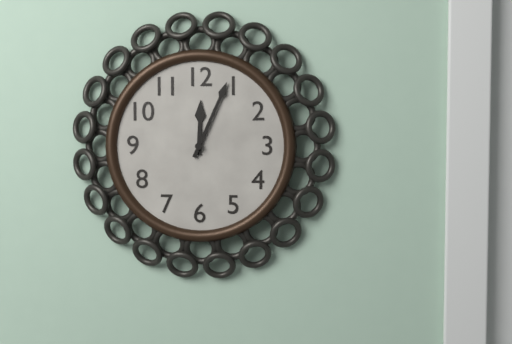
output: h=12 m=4
